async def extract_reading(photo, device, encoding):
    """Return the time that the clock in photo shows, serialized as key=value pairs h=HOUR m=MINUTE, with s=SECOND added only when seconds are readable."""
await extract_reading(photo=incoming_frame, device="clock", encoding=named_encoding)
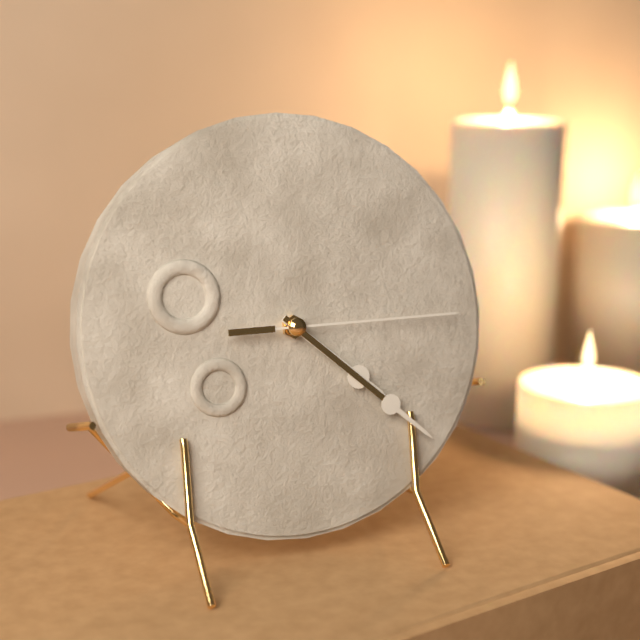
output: h=4 m=22 s=15
